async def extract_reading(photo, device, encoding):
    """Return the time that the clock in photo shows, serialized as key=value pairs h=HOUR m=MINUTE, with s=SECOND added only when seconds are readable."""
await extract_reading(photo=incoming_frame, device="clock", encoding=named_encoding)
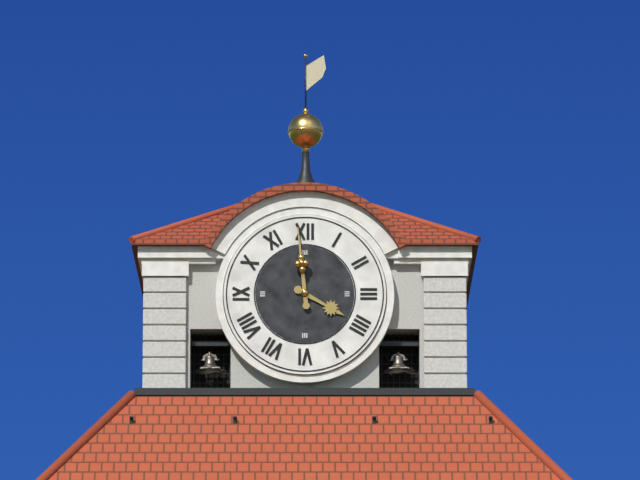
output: h=3 m=59
